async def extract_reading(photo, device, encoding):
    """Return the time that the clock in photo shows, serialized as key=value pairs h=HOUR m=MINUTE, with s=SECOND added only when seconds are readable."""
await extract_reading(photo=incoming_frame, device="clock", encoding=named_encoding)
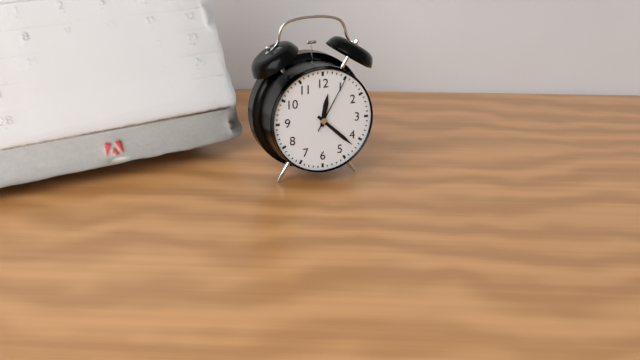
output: h=12 m=22 s=5
